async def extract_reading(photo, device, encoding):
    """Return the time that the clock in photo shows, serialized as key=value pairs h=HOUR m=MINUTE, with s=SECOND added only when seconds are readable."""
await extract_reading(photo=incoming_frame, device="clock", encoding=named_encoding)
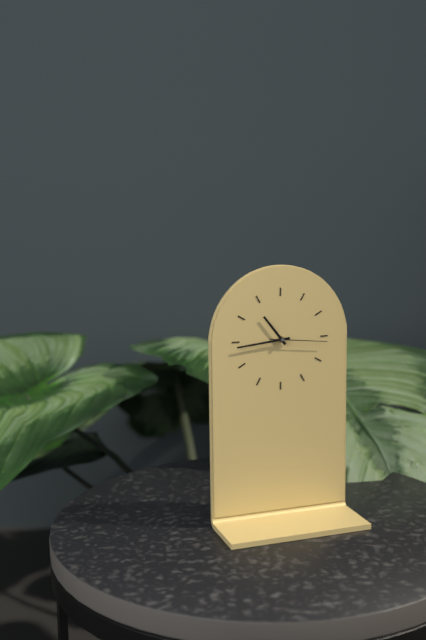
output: h=10 m=44 s=16
